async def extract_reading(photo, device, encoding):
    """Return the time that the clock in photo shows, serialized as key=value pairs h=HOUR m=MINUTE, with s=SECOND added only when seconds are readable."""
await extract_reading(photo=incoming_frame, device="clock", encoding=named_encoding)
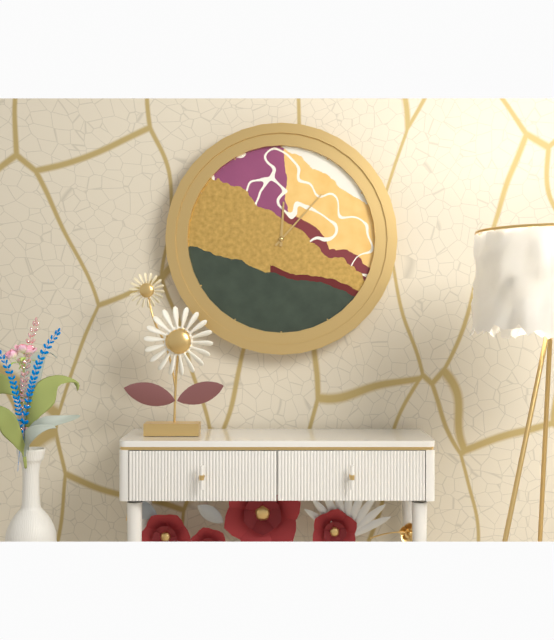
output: h=12 m=7
